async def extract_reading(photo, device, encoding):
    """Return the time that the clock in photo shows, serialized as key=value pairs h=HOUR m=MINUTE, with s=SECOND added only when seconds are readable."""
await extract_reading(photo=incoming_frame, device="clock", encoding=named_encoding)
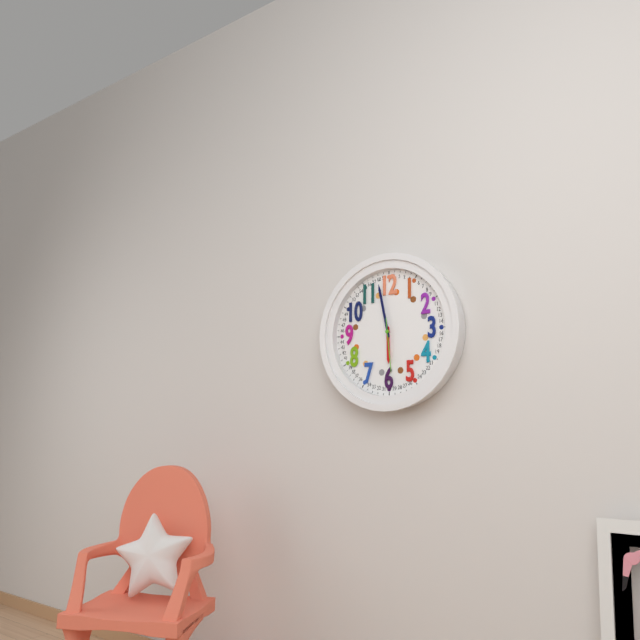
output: h=5 m=58 s=29
